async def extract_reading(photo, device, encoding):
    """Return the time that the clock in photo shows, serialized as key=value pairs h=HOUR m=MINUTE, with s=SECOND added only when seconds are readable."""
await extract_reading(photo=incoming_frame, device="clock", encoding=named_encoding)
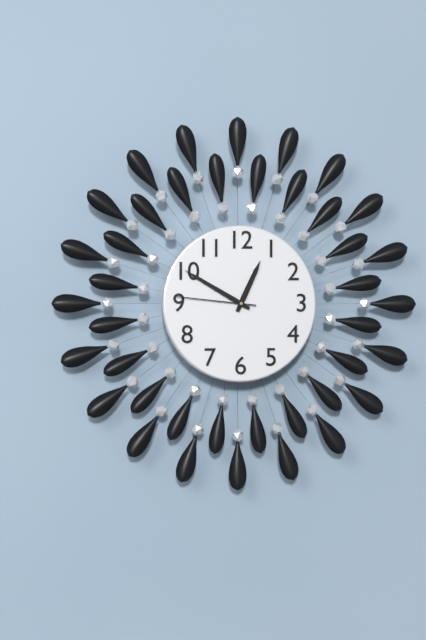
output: h=12 m=50 s=46
